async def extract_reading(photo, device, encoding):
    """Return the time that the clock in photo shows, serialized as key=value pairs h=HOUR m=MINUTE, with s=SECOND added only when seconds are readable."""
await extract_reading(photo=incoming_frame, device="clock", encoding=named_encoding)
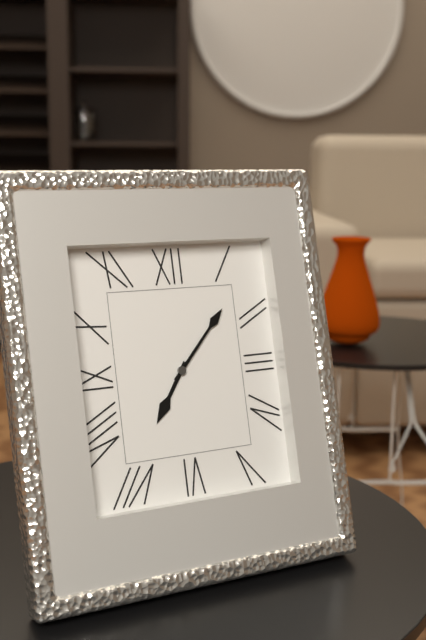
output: h=7 m=7
